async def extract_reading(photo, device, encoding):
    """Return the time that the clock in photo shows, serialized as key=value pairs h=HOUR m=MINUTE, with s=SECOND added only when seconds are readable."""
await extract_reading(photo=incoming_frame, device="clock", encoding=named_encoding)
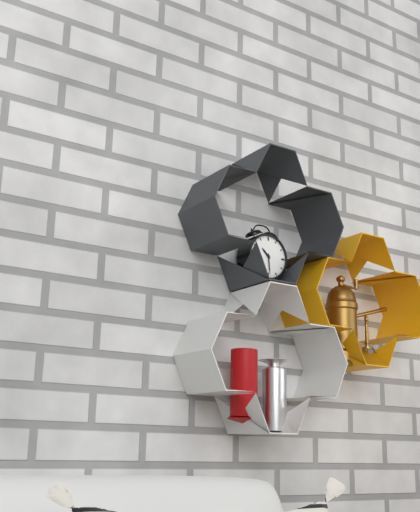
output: h=10 m=29
